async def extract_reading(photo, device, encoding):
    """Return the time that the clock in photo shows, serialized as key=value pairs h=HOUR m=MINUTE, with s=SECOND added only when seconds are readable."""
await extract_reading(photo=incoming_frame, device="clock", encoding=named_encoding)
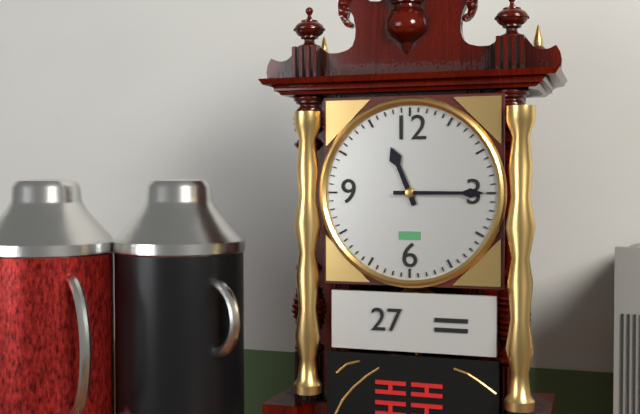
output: h=11 m=15
